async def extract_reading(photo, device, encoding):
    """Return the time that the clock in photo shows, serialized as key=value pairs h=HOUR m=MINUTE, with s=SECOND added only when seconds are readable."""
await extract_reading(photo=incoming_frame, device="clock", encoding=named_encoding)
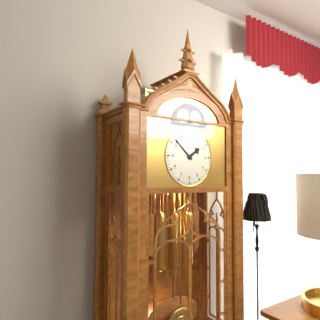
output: h=1 m=52
